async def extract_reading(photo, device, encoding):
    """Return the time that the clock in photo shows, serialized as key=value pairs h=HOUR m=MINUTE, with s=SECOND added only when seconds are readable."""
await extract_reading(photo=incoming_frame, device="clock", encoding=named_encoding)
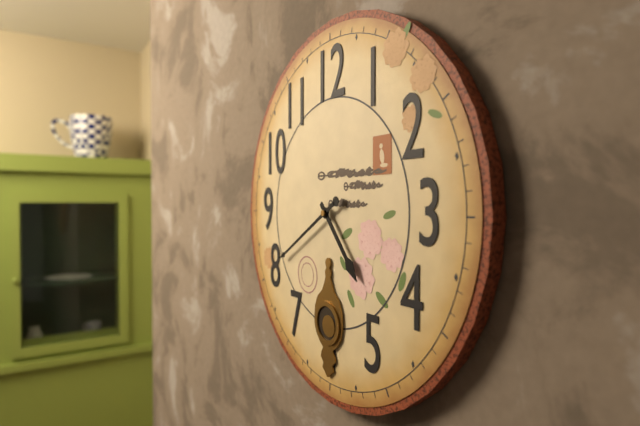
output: h=4 m=40
